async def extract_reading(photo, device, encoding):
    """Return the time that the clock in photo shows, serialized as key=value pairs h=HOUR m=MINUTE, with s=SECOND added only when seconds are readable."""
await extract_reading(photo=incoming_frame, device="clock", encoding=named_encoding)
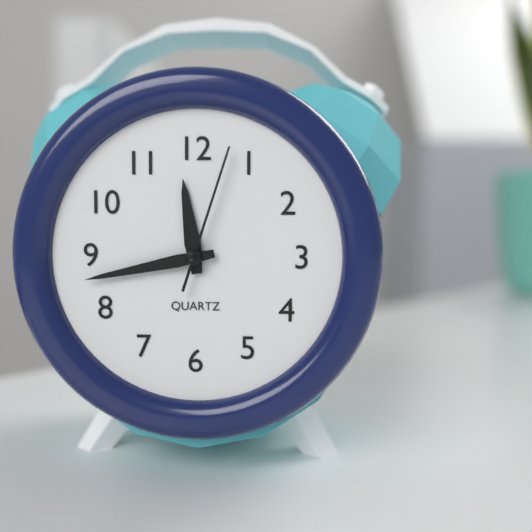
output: h=11 m=43 s=3
